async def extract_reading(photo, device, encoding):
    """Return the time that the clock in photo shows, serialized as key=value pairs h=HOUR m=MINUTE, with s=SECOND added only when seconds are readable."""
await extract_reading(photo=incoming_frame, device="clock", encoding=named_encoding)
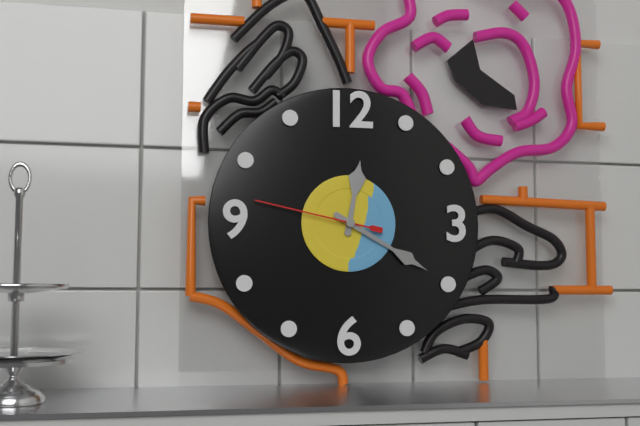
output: h=12 m=20 s=47
